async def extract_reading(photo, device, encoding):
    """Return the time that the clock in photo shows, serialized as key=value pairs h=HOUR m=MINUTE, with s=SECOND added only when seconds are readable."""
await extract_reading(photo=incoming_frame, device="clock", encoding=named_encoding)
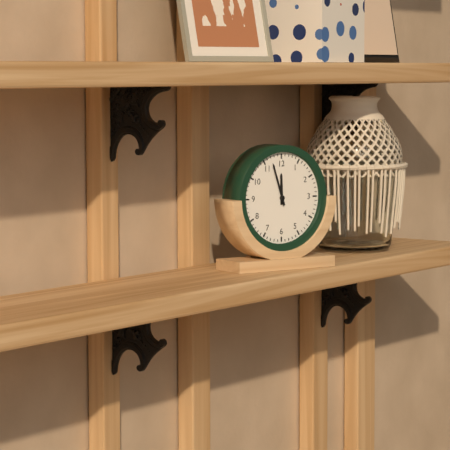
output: h=11 m=57
